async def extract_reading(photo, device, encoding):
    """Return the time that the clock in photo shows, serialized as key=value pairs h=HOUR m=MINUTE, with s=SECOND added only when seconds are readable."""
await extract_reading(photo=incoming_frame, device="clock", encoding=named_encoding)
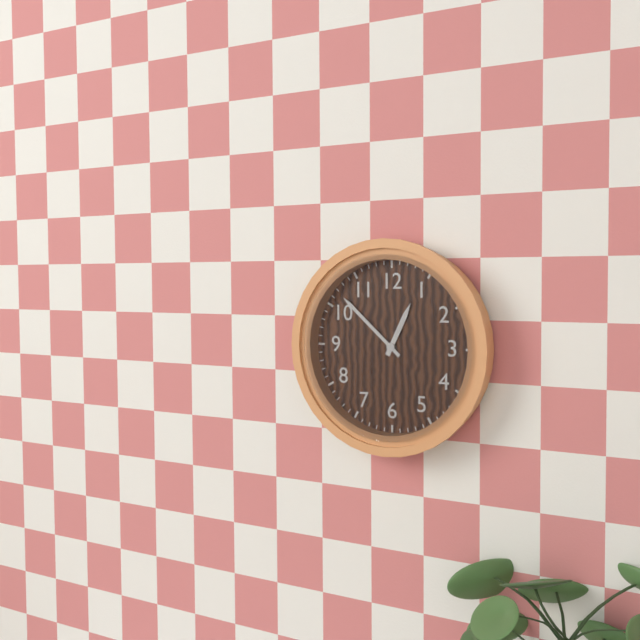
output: h=12 m=52
